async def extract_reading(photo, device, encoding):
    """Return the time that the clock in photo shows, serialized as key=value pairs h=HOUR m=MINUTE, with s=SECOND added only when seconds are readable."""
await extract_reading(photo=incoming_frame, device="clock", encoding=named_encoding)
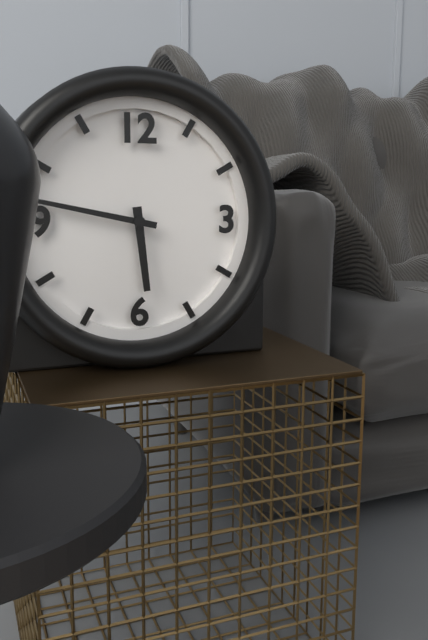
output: h=5 m=47
